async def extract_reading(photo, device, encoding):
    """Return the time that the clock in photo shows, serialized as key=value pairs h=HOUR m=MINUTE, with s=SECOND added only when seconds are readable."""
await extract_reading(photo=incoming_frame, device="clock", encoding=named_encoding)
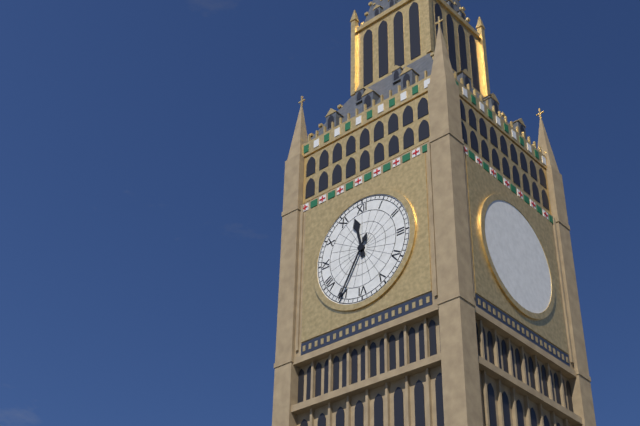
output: h=11 m=35
